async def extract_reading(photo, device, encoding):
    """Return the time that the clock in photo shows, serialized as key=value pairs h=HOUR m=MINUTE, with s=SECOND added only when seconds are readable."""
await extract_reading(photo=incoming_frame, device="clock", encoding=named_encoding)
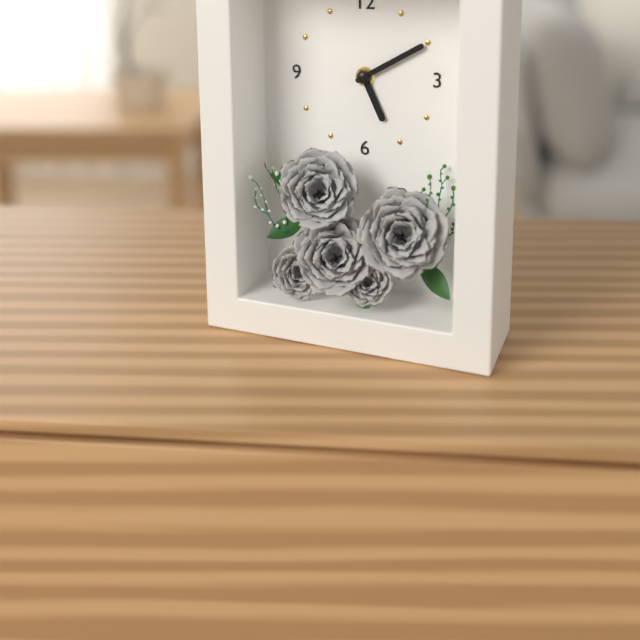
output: h=5 m=10
